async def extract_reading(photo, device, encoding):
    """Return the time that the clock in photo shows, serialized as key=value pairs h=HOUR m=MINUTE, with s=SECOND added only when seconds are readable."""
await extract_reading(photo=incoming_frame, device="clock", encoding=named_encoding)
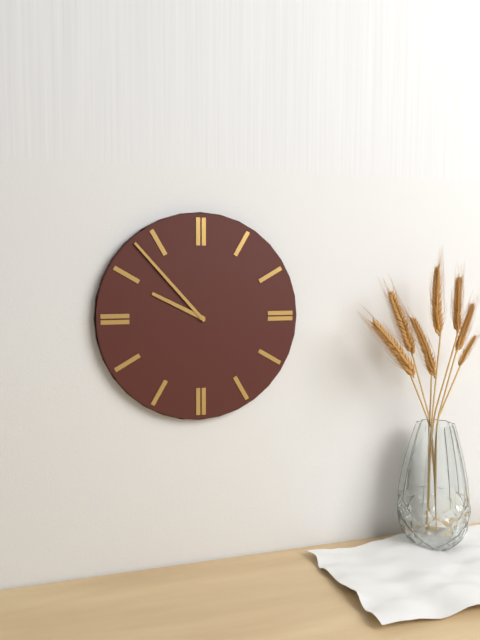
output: h=9 m=53
